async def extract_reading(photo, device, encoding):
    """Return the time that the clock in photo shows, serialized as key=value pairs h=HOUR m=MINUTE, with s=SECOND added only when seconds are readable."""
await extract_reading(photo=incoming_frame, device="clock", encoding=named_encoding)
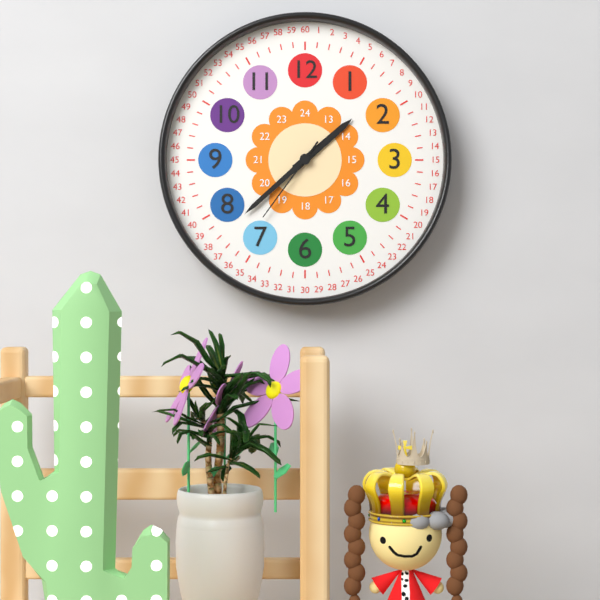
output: h=1 m=38 s=36
